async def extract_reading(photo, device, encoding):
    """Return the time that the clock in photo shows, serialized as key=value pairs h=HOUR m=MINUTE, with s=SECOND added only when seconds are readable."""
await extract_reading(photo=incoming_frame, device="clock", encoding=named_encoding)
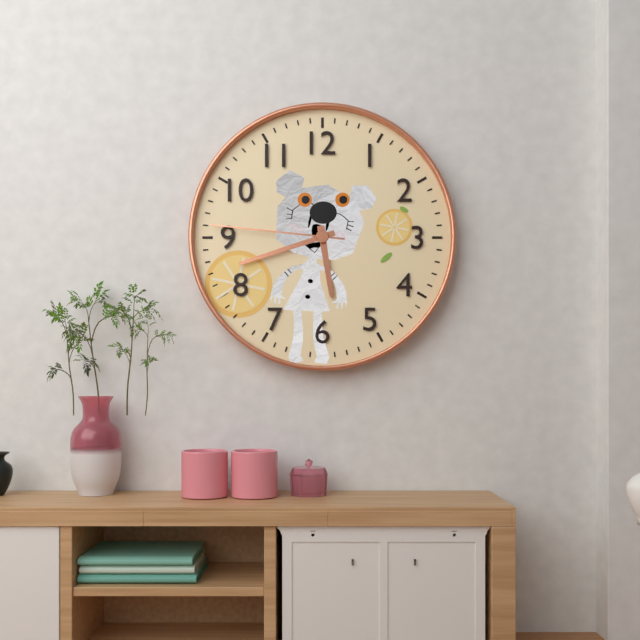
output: h=5 m=42 s=46
